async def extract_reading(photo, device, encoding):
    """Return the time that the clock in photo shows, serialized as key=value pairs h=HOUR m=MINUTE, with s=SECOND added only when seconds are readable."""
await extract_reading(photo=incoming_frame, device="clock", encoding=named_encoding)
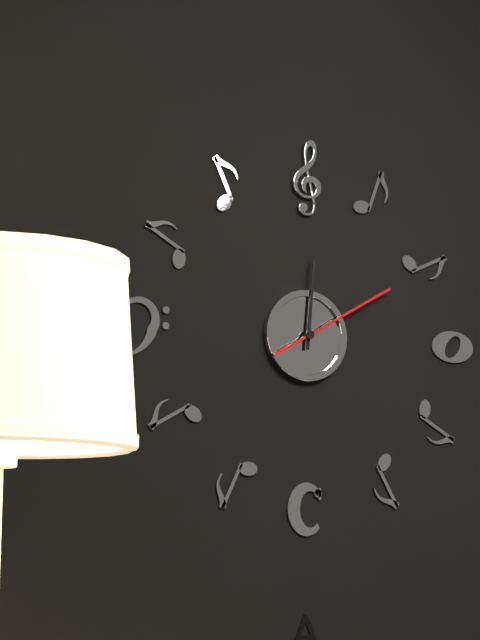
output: h=12 m=10 s=10
